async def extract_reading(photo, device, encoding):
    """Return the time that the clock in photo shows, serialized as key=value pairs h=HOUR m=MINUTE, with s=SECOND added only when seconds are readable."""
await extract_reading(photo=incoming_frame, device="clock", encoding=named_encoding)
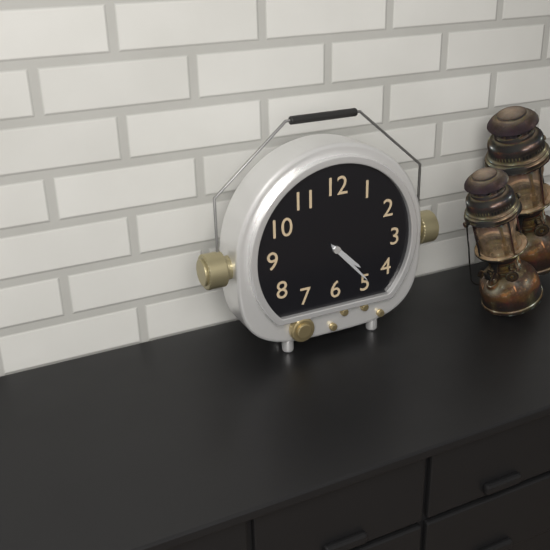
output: h=4 m=23
